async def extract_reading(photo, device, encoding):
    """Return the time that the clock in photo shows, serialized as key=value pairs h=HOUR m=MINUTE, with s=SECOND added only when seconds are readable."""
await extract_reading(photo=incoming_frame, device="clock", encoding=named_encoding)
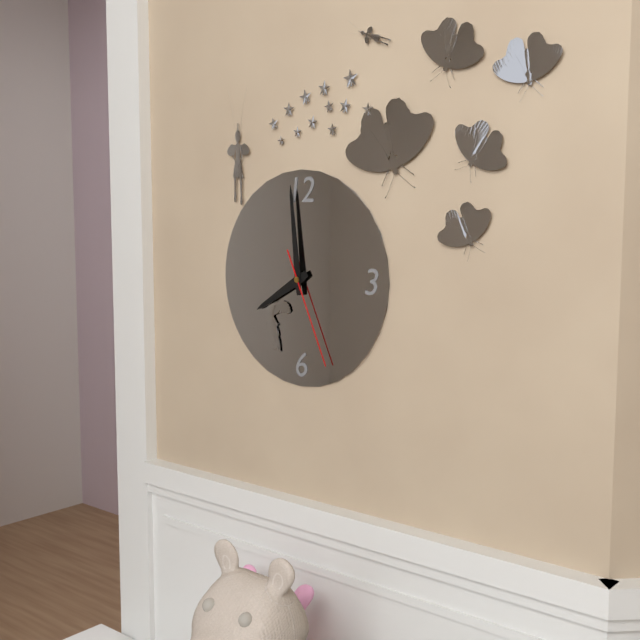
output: h=7 m=59 s=26
